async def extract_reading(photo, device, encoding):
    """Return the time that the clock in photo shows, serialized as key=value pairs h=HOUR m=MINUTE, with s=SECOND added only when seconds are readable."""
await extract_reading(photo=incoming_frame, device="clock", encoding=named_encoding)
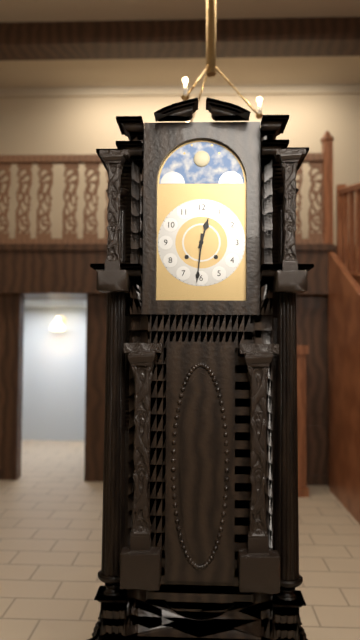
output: h=12 m=31
